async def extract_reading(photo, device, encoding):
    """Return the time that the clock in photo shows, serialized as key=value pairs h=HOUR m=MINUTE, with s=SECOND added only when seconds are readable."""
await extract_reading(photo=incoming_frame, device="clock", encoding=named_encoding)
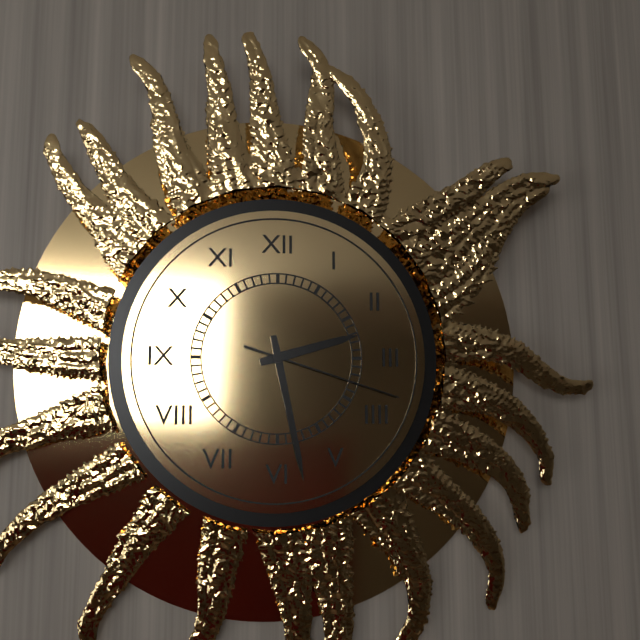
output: h=2 m=28 s=18
